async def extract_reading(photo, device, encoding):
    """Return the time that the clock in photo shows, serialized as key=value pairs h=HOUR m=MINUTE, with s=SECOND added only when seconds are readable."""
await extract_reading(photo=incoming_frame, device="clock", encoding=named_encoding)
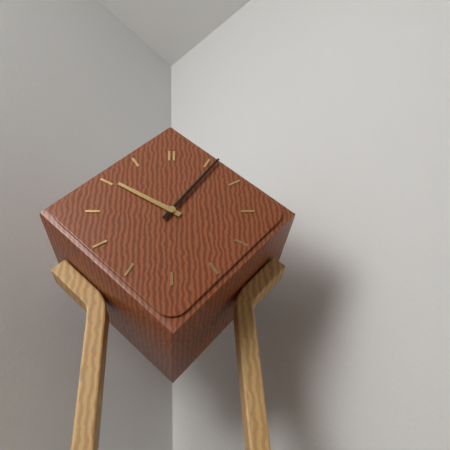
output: h=10 m=6
